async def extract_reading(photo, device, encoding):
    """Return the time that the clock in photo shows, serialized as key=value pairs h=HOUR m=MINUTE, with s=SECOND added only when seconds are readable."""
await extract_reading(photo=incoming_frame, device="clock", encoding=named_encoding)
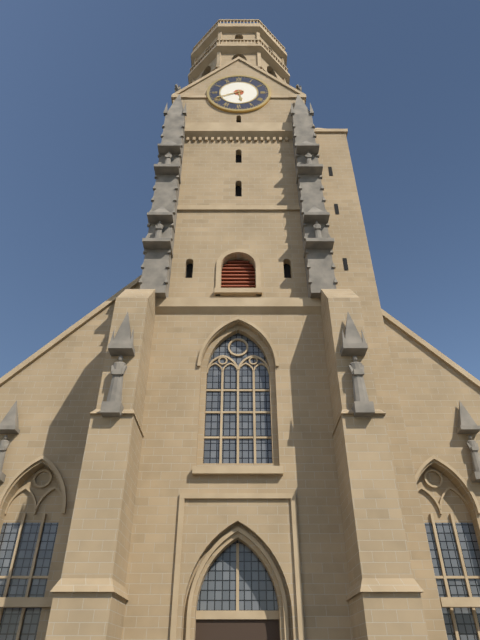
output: h=5 m=41
